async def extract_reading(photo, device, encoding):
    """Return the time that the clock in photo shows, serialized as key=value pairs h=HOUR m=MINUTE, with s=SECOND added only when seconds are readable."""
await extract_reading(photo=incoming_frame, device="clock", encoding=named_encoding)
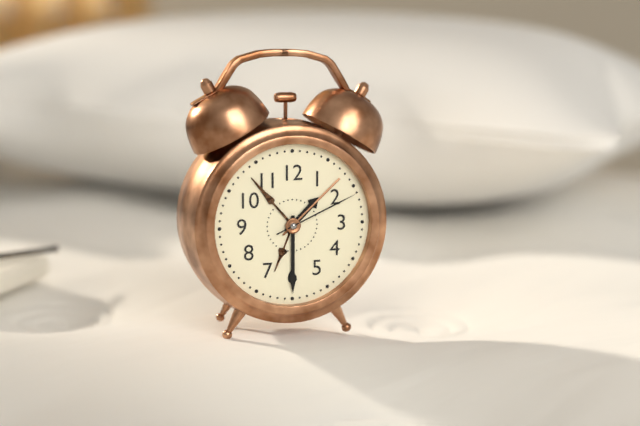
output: h=1 m=30 s=11
